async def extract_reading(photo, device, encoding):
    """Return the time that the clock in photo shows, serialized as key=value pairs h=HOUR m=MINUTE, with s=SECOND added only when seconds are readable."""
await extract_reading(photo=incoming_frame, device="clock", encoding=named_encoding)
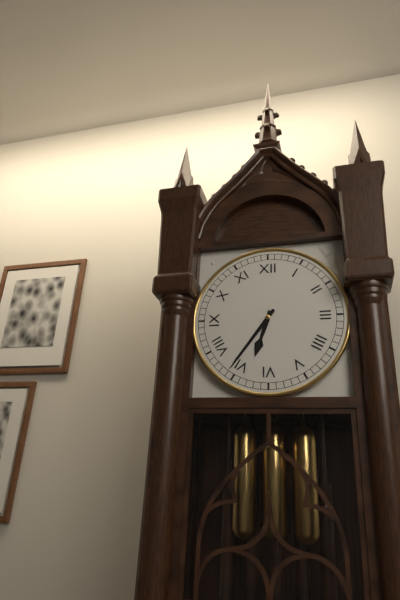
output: h=6 m=36
